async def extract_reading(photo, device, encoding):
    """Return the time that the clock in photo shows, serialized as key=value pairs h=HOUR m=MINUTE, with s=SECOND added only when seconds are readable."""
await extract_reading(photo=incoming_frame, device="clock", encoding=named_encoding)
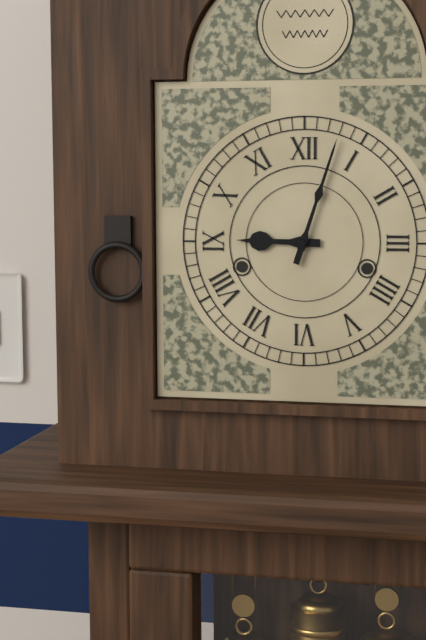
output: h=9 m=3
